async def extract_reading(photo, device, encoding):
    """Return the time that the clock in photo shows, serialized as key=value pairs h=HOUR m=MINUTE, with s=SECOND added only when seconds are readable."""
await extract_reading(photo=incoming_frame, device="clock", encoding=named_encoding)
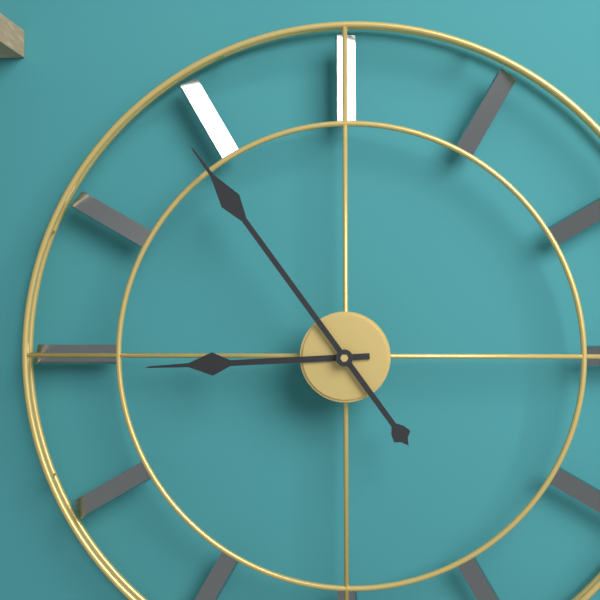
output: h=8 m=54
